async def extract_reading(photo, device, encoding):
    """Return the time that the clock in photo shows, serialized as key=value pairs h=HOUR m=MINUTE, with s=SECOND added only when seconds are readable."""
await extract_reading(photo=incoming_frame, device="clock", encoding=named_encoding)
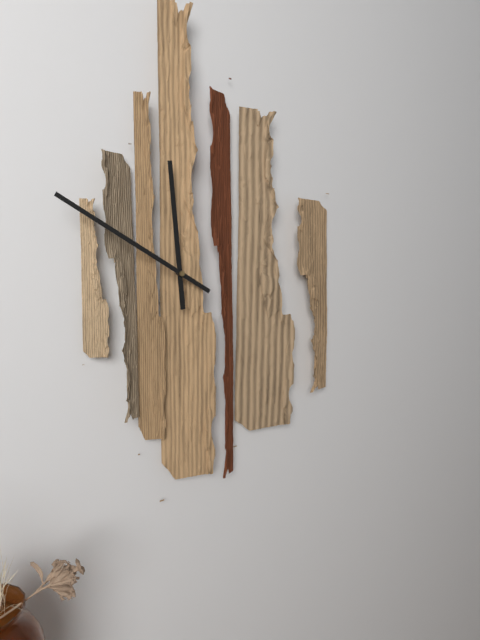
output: h=11 m=50
